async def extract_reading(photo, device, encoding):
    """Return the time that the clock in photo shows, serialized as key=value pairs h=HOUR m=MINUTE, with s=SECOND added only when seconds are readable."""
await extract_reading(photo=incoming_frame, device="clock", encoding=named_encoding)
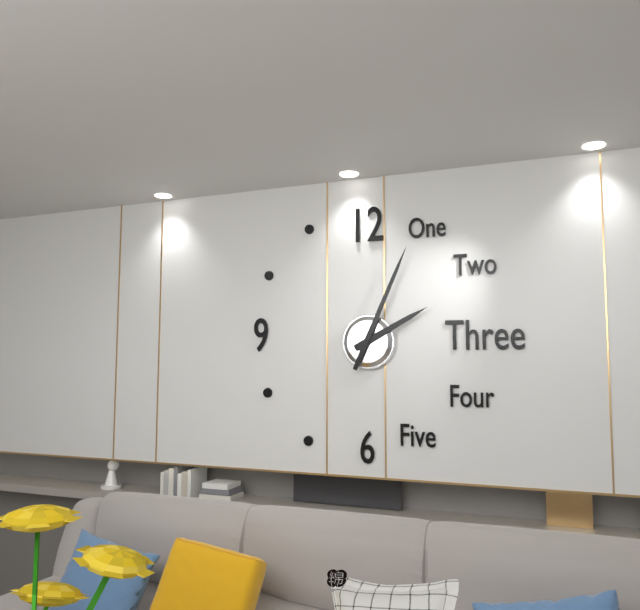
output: h=2 m=4
